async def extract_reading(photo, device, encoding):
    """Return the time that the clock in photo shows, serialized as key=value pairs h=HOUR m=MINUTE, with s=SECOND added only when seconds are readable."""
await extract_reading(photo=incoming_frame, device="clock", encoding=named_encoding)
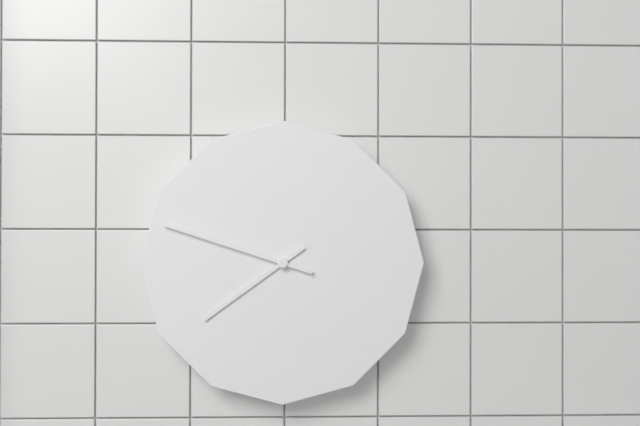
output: h=7 m=48
